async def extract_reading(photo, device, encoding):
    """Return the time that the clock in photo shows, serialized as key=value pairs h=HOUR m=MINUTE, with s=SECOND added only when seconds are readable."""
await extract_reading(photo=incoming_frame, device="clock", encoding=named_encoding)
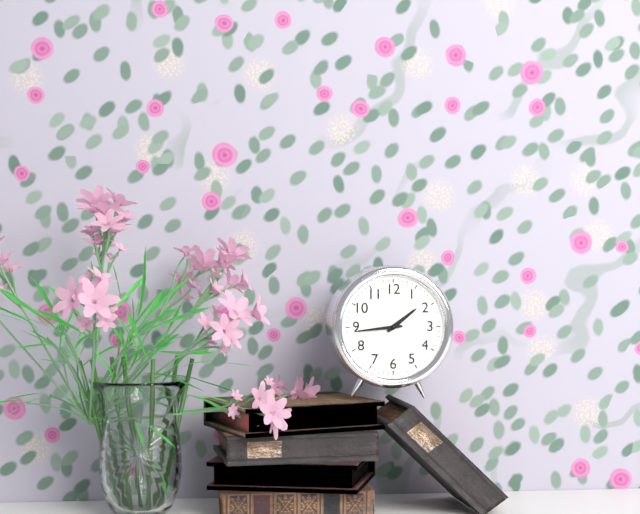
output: h=1 m=44
